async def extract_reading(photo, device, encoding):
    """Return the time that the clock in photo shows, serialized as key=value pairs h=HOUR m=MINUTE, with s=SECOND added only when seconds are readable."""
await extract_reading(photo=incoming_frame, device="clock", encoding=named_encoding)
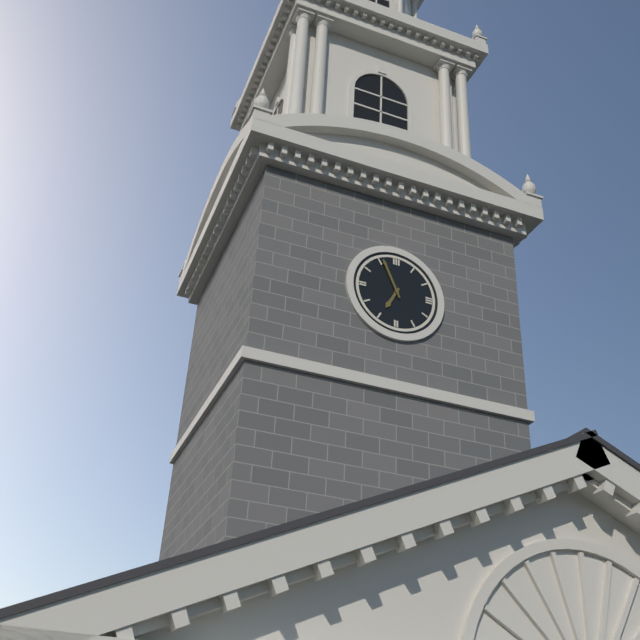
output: h=6 m=56
